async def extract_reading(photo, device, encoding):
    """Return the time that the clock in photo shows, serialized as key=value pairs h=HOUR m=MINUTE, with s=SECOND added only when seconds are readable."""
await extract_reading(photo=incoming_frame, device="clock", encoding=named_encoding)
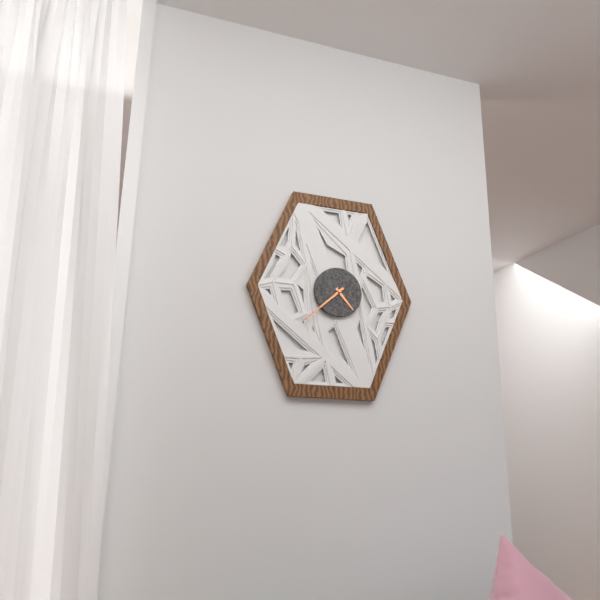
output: h=4 m=38
